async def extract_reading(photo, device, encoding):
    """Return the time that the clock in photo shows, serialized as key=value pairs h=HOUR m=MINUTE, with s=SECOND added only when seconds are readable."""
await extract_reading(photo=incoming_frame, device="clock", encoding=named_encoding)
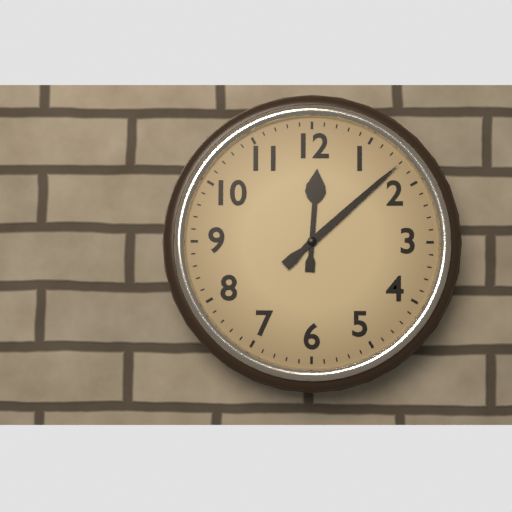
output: h=12 m=8
